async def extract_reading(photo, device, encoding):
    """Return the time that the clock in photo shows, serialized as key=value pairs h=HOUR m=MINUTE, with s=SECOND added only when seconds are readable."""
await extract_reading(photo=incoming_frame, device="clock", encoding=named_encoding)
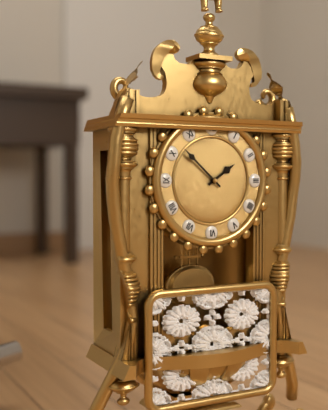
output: h=1 m=52
